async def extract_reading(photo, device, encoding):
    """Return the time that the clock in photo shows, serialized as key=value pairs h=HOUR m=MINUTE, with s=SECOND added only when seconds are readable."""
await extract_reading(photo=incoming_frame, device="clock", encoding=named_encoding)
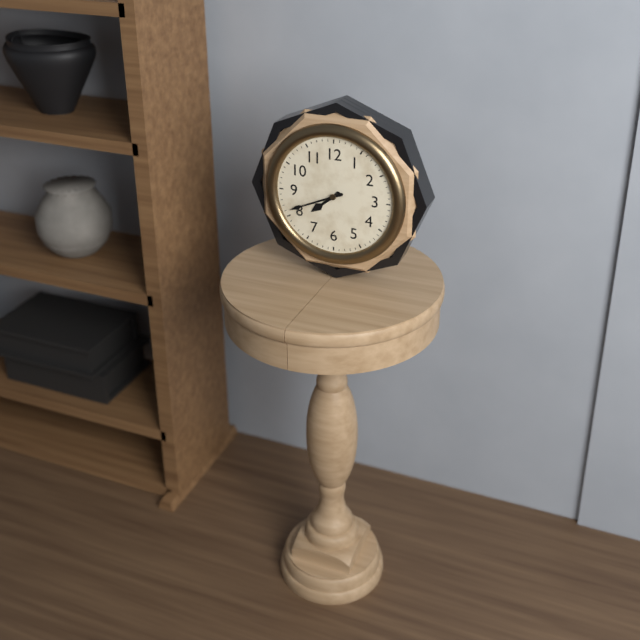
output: h=7 m=41
